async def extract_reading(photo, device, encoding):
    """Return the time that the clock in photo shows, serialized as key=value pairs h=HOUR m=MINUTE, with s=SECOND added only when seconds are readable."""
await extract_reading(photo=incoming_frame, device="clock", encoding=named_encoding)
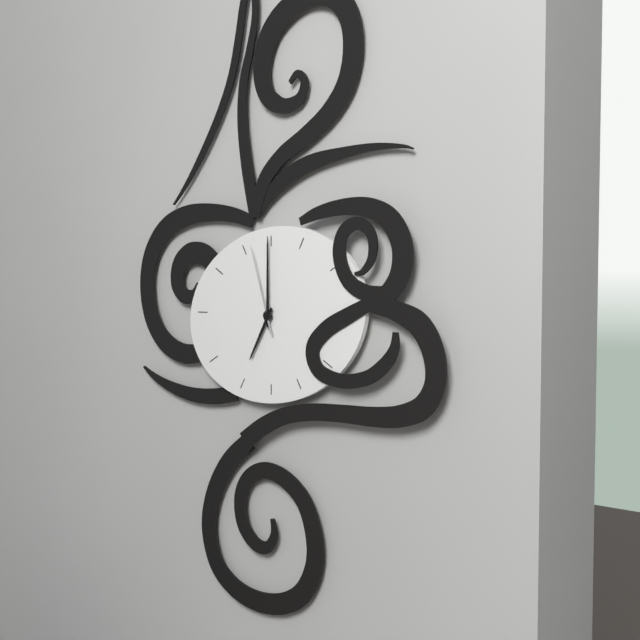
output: h=7 m=0 s=57
